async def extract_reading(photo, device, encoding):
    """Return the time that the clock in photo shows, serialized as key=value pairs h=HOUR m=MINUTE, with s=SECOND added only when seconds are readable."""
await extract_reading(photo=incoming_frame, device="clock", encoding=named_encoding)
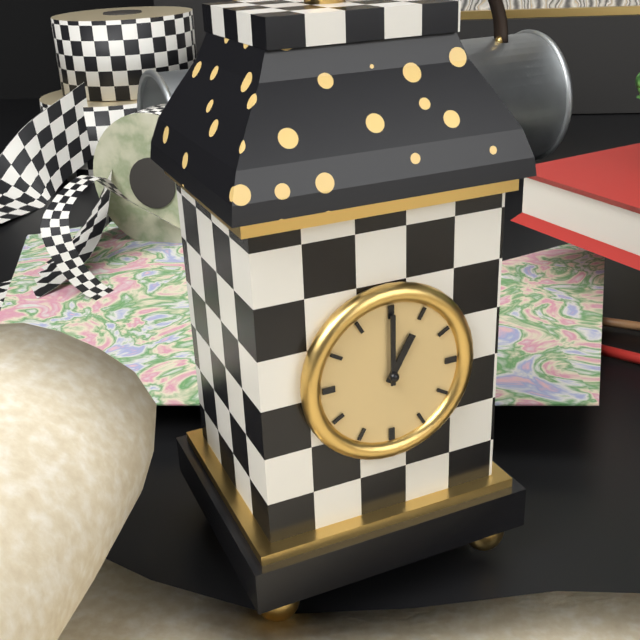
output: h=1 m=0
